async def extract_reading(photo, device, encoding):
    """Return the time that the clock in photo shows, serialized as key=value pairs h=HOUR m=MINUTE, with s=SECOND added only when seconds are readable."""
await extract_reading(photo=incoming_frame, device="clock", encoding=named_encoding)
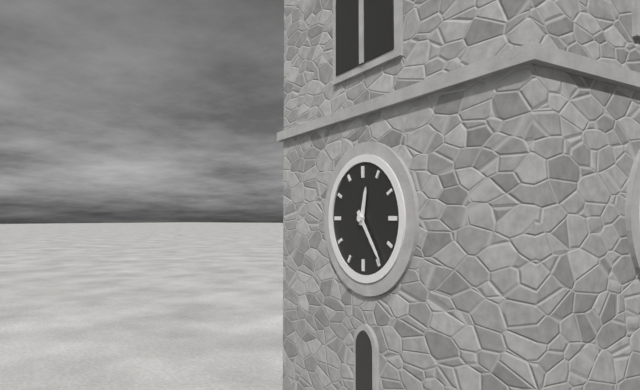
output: h=12 m=24
